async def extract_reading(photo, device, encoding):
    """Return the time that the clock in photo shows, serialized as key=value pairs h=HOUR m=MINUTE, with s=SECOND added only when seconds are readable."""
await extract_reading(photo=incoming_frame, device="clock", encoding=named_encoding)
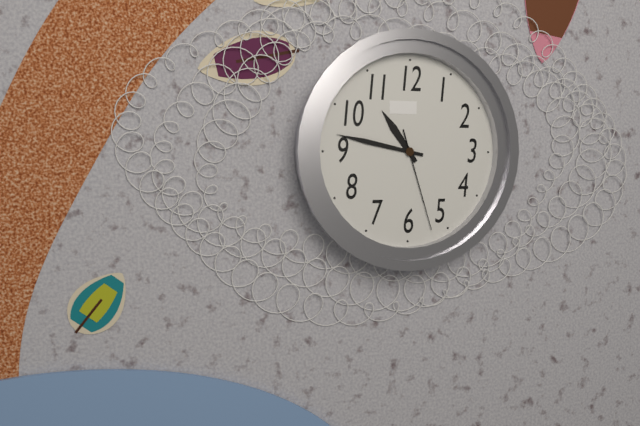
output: h=10 m=47 s=27
